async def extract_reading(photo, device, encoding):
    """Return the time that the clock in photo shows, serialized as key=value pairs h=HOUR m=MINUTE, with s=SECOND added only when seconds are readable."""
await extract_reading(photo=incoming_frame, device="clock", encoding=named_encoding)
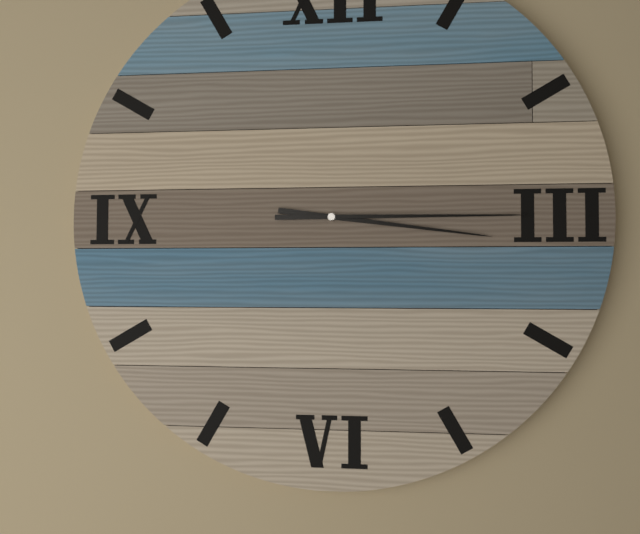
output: h=3 m=15
